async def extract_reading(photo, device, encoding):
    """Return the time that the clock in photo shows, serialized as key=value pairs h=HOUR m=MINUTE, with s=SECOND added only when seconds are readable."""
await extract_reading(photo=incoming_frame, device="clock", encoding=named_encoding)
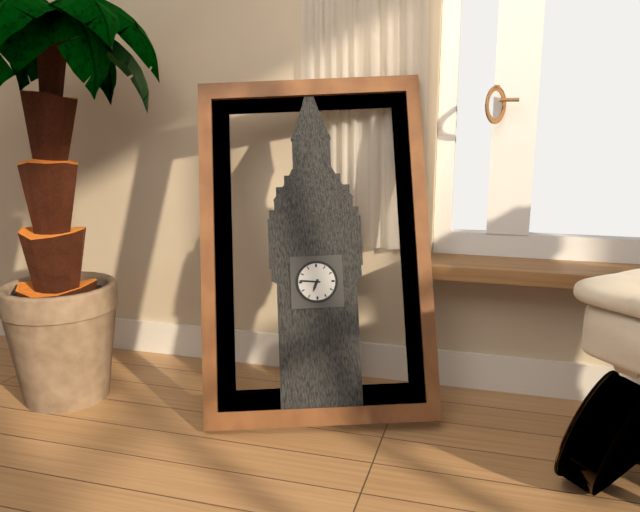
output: h=6 m=46
